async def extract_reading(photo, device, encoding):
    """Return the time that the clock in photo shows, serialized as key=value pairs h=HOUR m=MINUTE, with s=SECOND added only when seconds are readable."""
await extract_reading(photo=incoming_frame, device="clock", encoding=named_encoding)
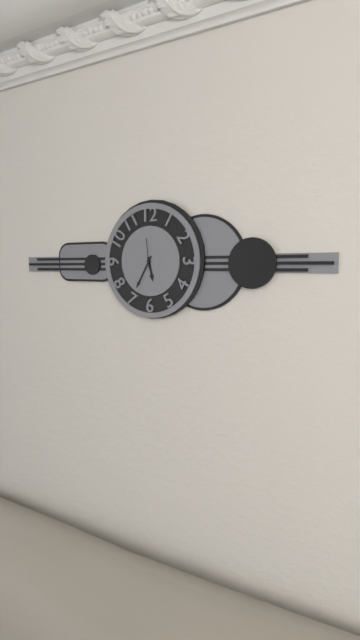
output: h=5 m=35
